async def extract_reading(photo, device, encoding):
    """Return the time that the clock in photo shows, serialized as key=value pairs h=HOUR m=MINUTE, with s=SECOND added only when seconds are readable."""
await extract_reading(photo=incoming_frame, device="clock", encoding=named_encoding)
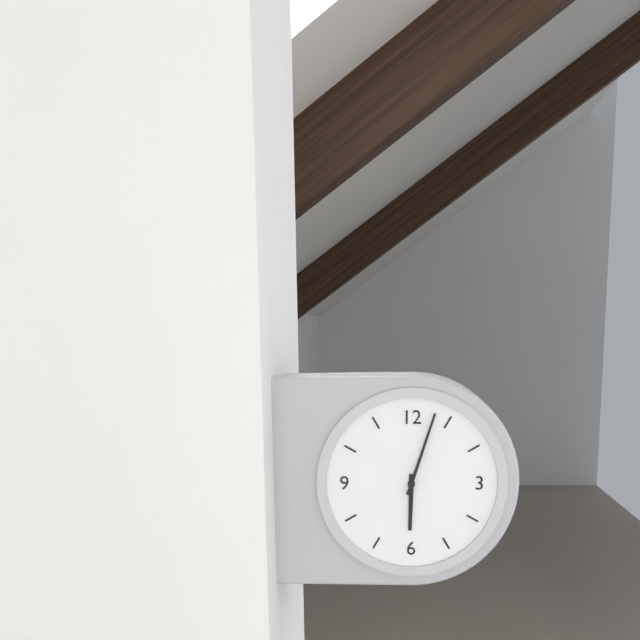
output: h=6 m=3
